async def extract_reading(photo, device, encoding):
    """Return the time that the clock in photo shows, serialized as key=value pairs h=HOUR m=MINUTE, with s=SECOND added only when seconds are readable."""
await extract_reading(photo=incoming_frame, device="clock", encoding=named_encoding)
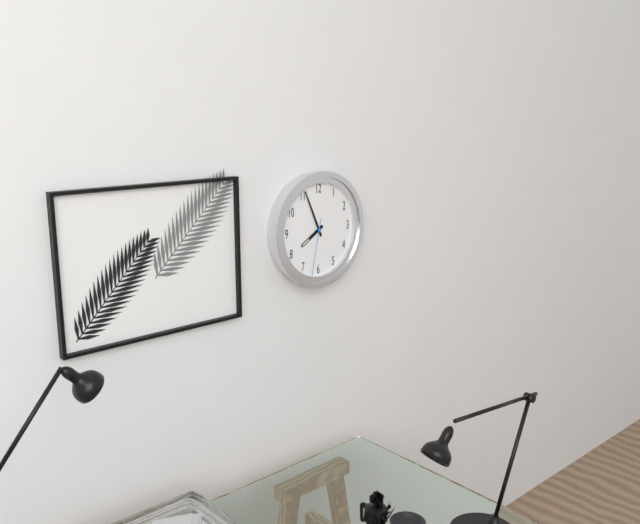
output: h=7 m=56 s=32
